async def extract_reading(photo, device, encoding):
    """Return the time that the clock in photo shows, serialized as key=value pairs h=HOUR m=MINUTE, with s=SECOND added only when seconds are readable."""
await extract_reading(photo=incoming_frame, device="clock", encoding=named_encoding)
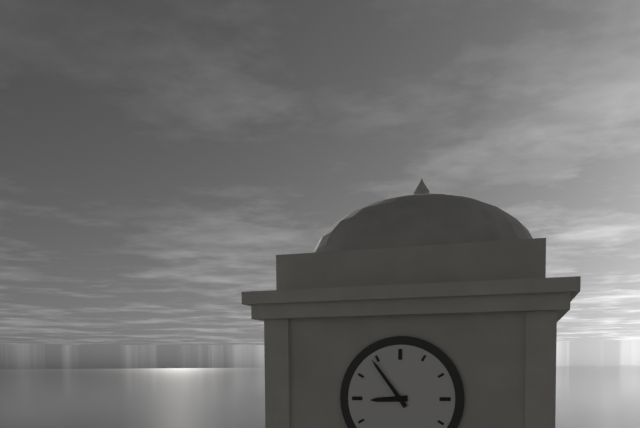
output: h=8 m=54
